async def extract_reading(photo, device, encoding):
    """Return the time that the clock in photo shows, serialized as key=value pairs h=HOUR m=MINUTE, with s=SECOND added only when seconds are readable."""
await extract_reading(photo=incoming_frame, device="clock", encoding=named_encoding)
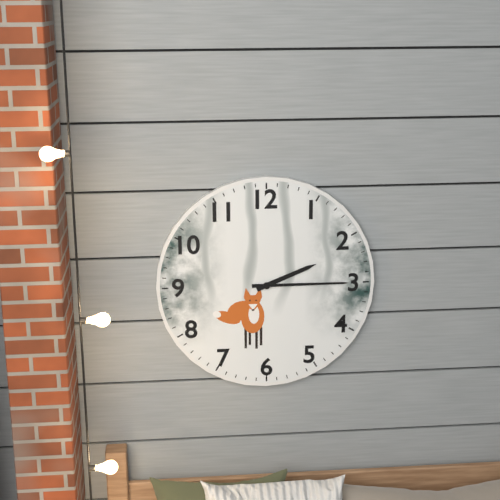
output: h=2 m=15
